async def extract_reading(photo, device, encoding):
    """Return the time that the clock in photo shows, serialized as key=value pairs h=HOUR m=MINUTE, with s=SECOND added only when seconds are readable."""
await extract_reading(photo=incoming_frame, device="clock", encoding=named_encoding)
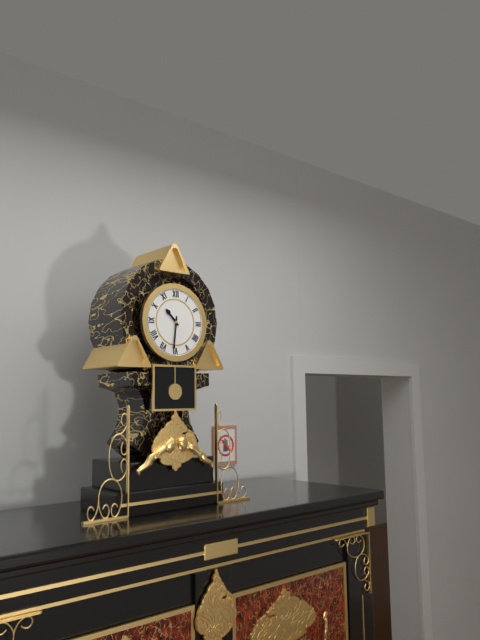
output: h=10 m=31
